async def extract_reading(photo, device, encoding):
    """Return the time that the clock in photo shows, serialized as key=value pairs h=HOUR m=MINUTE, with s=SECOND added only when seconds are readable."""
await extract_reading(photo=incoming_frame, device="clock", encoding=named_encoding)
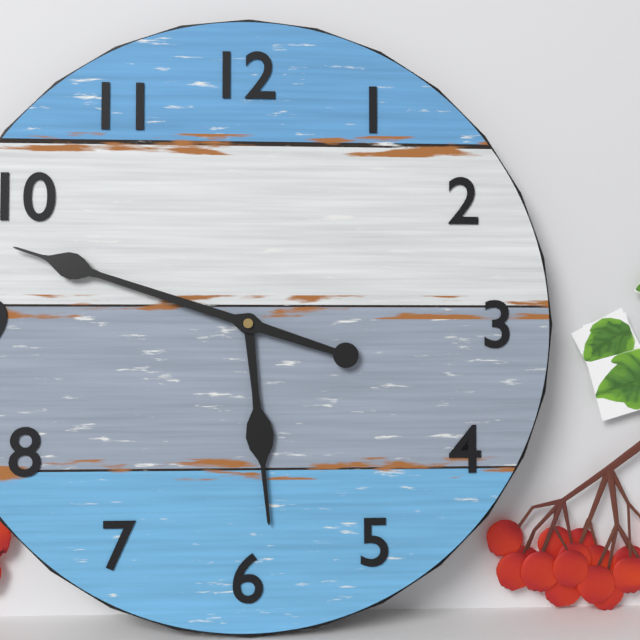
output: h=5 m=48
